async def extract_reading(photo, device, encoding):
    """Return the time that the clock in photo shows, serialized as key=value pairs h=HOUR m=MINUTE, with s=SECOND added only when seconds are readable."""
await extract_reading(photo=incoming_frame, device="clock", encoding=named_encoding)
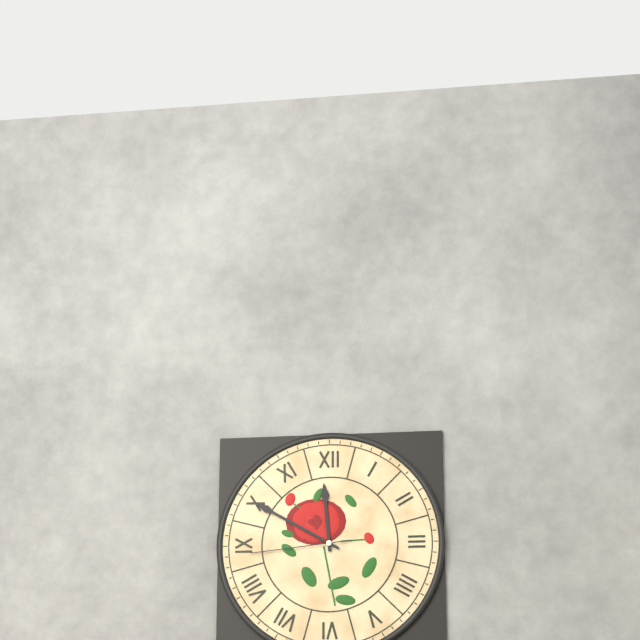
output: h=11 m=50 s=44
